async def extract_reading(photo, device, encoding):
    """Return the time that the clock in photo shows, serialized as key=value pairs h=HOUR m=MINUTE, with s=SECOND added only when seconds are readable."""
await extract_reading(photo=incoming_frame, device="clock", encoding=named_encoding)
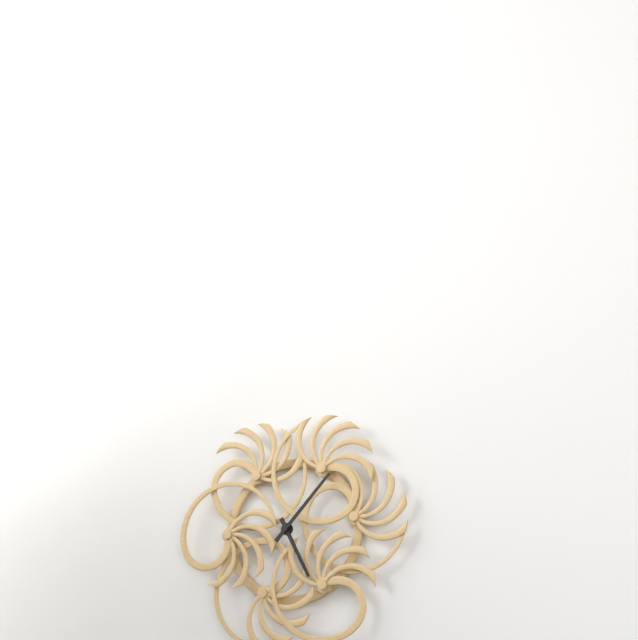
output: h=5 m=7
